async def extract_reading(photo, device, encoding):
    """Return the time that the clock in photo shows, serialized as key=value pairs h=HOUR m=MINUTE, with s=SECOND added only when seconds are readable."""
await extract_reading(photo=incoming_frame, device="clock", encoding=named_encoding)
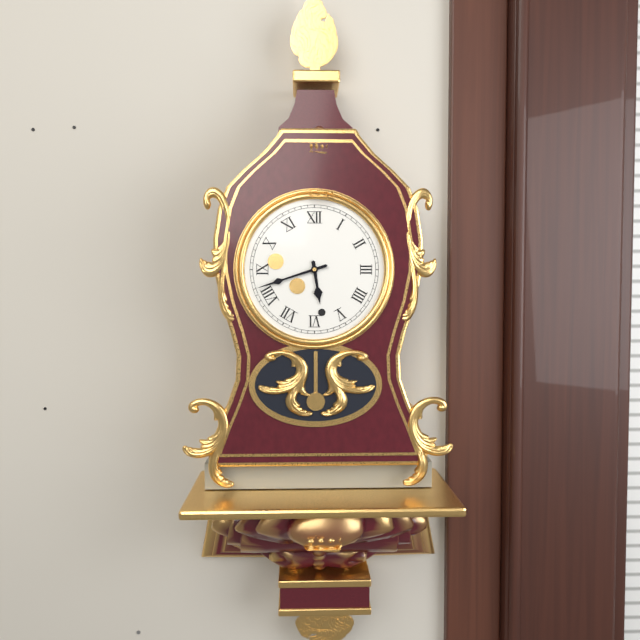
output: h=5 m=42
